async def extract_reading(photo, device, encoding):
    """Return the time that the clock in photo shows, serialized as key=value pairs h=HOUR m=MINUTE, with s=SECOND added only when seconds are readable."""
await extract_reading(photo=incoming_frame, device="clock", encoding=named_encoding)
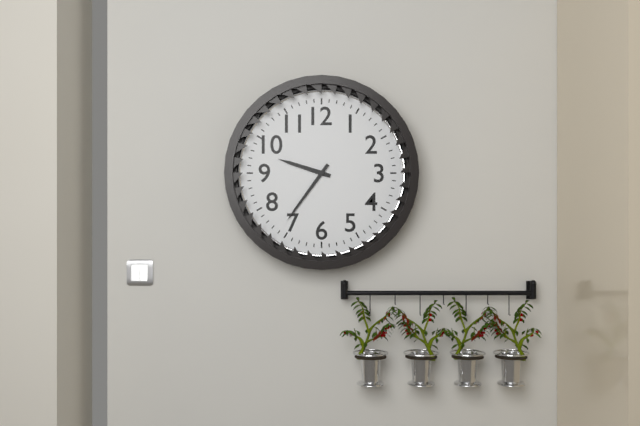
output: h=9 m=36
